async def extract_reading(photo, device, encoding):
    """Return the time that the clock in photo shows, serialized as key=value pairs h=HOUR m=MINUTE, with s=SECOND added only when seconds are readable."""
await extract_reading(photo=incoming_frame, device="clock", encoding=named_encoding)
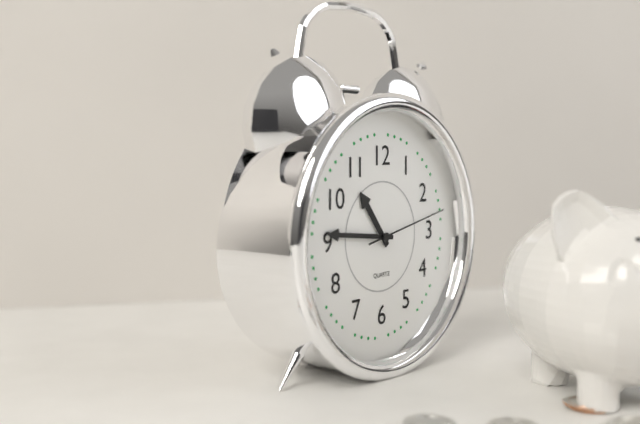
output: h=10 m=46 s=13
